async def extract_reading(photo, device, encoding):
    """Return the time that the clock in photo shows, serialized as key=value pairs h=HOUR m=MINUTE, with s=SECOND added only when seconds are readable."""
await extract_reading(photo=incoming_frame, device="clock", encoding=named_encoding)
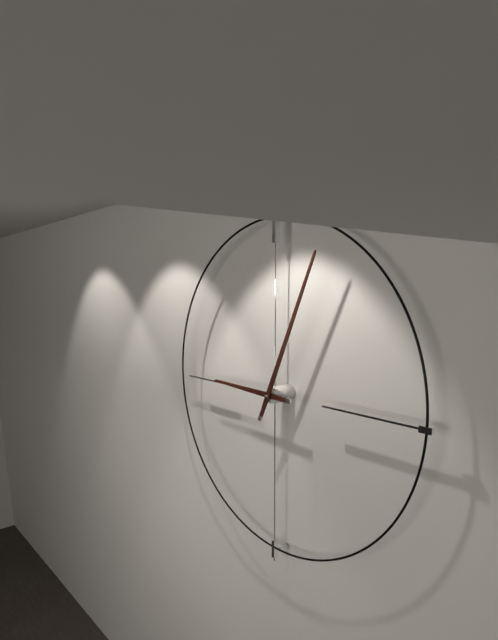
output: h=9 m=4
